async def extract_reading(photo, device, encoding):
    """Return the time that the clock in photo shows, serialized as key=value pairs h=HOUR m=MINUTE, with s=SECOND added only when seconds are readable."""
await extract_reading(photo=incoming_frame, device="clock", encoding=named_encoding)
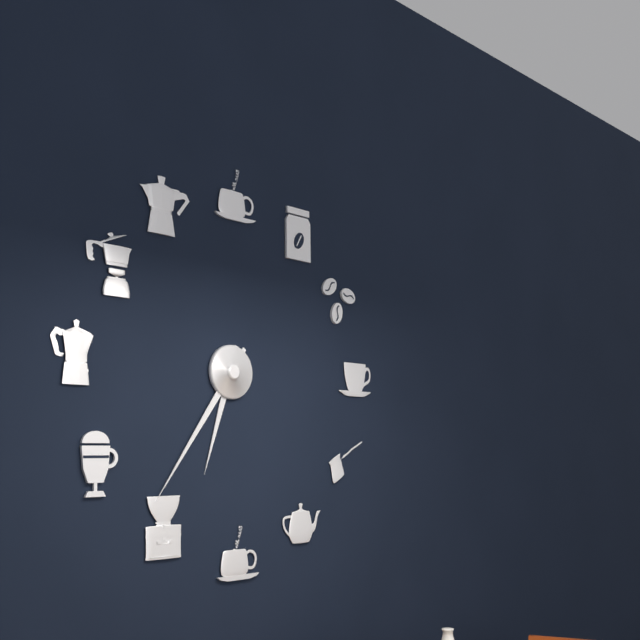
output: h=6 m=36
